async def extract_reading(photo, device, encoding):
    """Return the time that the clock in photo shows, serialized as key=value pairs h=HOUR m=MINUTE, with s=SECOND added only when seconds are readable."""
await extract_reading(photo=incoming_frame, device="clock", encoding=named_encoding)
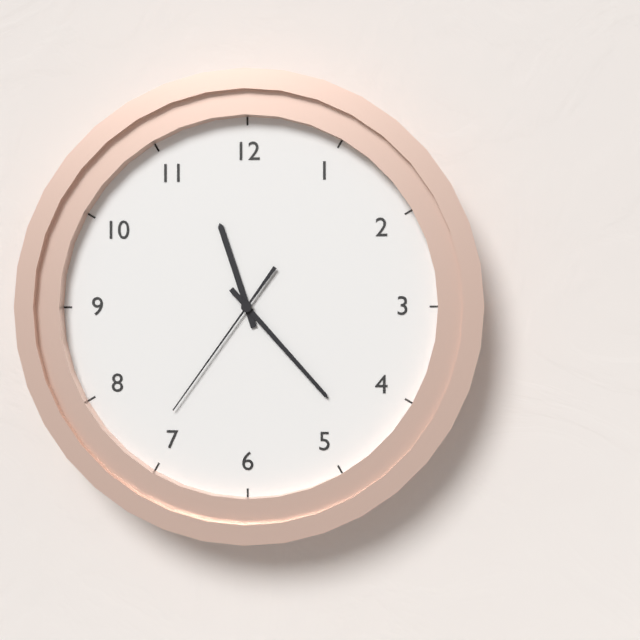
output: h=11 m=23 s=36
